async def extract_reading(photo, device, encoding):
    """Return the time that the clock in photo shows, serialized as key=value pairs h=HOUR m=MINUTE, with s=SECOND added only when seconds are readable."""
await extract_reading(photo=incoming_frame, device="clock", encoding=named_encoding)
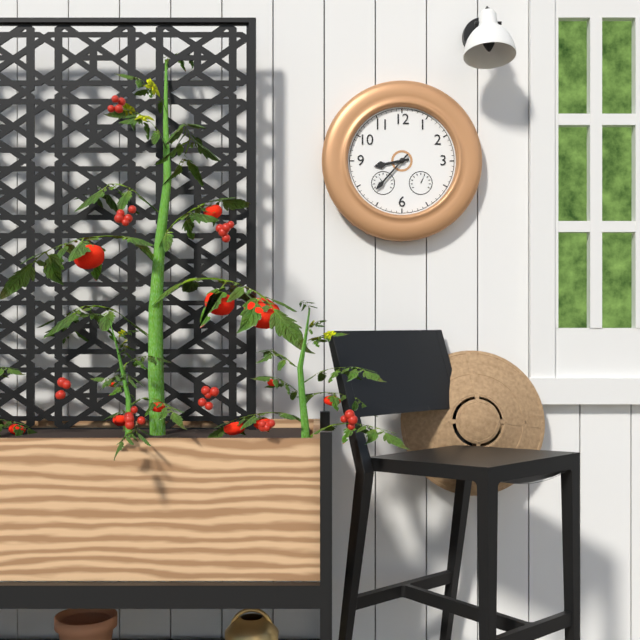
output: h=8 m=37
